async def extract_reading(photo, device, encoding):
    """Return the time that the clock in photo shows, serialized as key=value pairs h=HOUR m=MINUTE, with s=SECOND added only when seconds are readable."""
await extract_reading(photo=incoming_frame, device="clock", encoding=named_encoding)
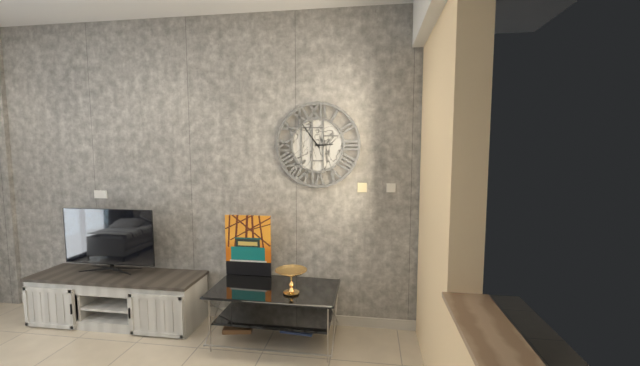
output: h=2 m=54
